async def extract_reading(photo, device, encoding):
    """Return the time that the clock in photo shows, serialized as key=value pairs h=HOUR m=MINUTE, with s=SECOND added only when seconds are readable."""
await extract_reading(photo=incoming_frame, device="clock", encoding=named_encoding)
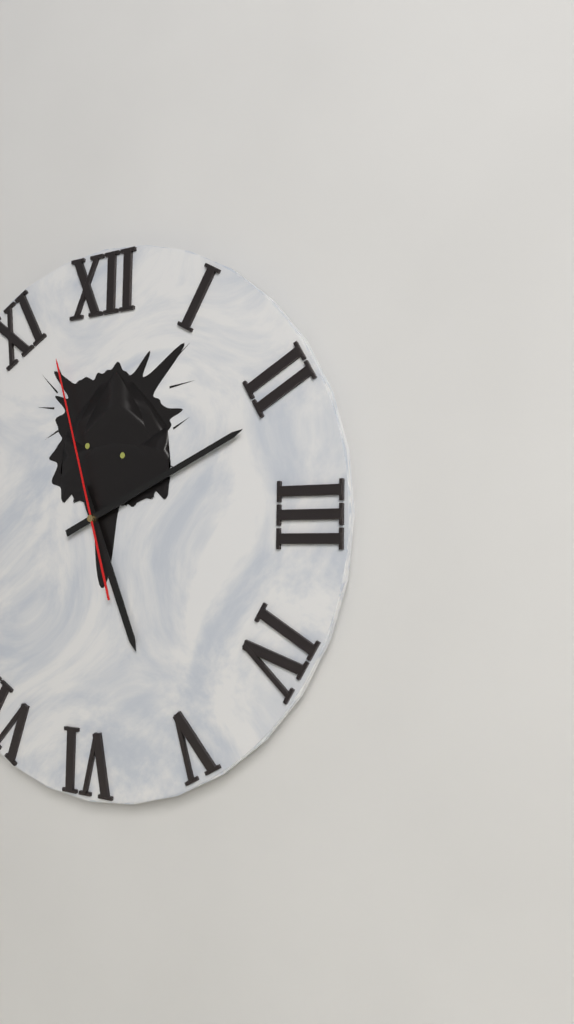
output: h=5 m=11 s=57
